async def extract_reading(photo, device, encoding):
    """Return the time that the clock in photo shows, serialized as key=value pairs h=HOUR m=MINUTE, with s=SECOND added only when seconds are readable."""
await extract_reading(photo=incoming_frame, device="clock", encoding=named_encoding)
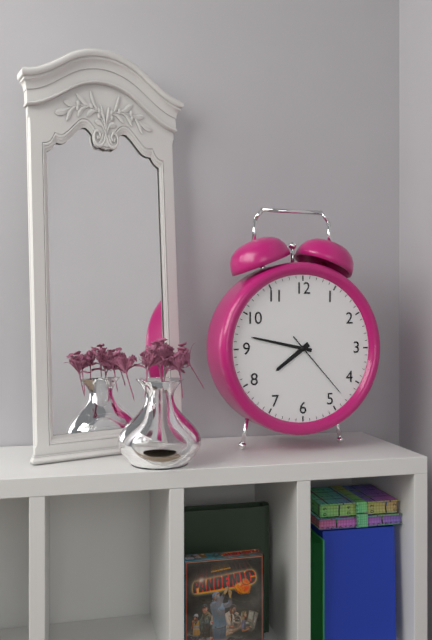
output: h=7 m=47 s=23
